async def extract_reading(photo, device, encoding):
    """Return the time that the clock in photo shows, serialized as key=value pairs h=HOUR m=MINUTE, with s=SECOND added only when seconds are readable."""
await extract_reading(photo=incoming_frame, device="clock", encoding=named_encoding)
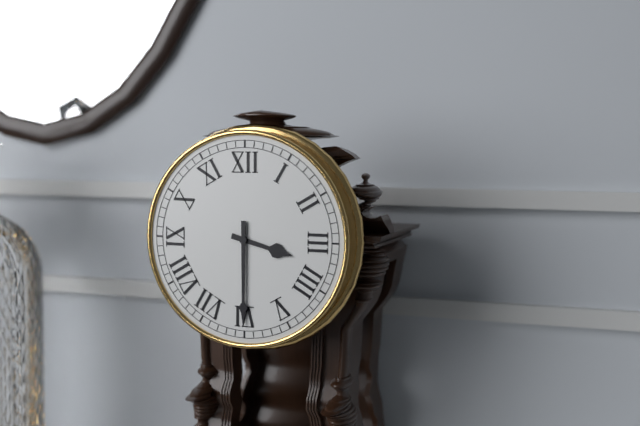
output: h=3 m=30
